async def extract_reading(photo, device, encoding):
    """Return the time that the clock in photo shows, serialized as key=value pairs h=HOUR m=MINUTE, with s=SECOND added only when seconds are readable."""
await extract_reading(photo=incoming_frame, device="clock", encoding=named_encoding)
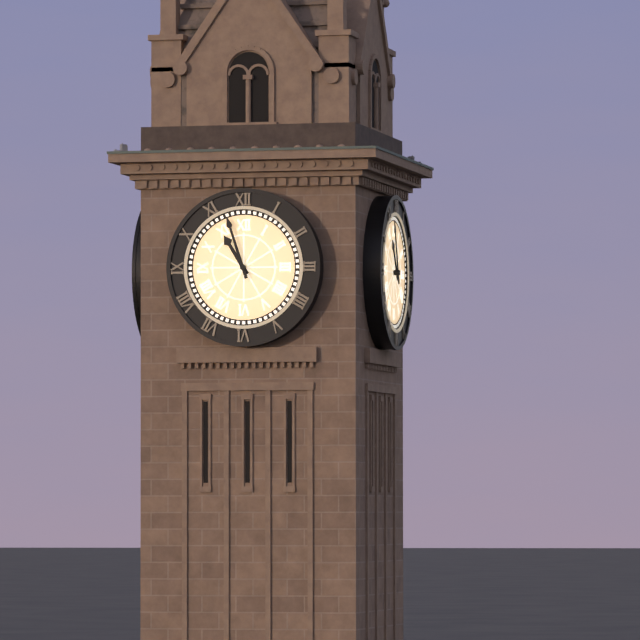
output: h=10 m=57
